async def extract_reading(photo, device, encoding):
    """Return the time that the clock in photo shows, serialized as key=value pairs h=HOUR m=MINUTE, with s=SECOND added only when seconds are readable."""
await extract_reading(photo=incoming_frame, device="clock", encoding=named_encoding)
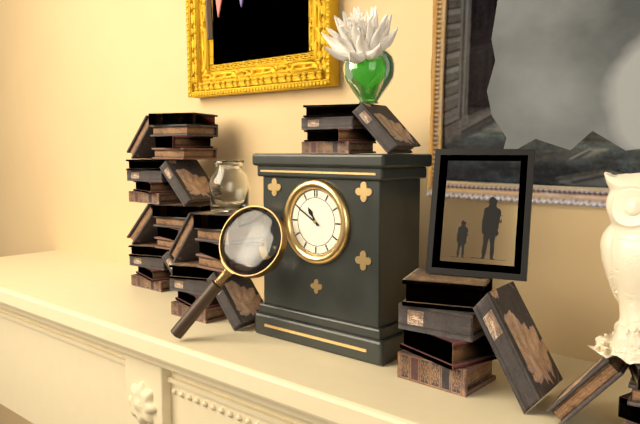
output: h=10 m=50
